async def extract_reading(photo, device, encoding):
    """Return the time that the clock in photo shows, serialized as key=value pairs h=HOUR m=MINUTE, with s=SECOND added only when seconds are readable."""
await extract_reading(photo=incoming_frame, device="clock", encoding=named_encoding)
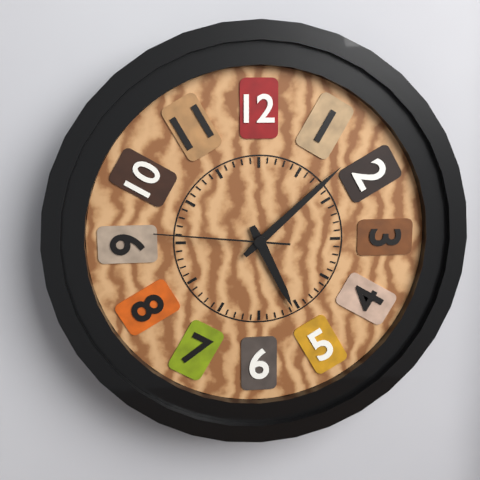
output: h=5 m=8 s=46
